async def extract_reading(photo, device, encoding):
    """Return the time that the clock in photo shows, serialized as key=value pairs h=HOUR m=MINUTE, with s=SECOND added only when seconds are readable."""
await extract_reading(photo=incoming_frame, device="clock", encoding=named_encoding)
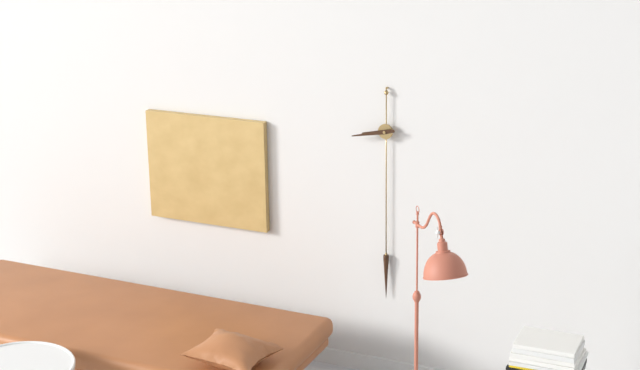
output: h=8 m=43
